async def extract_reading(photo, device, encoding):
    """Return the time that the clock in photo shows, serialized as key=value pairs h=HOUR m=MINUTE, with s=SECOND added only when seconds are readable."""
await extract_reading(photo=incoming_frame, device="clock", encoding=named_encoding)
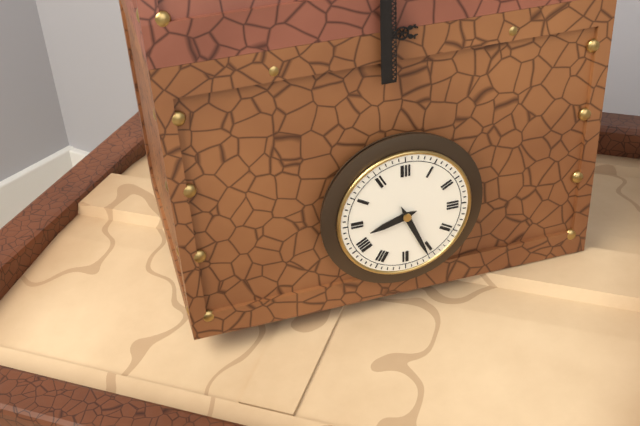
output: h=8 m=26
